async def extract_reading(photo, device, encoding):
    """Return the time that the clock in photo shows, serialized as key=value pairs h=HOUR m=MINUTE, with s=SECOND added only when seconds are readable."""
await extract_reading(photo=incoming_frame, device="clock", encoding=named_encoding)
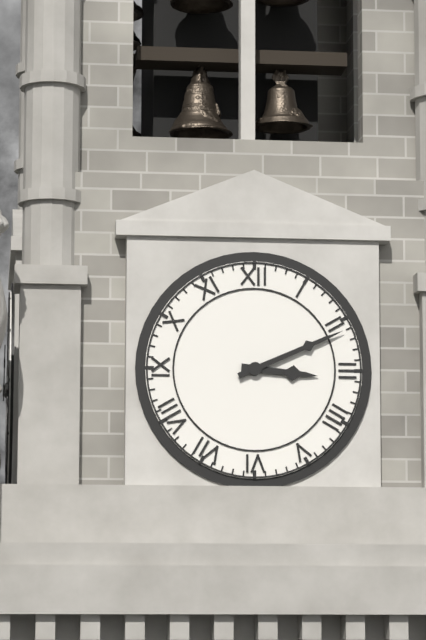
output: h=3 m=11
